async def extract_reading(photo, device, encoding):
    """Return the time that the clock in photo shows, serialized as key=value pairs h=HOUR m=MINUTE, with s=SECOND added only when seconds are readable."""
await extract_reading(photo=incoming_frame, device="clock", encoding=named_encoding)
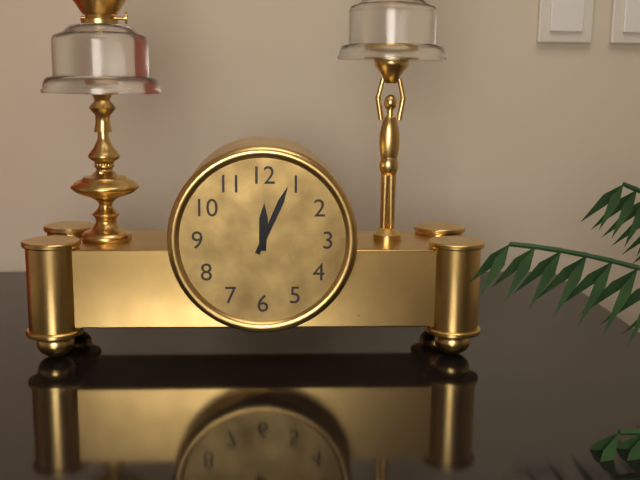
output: h=12 m=4
